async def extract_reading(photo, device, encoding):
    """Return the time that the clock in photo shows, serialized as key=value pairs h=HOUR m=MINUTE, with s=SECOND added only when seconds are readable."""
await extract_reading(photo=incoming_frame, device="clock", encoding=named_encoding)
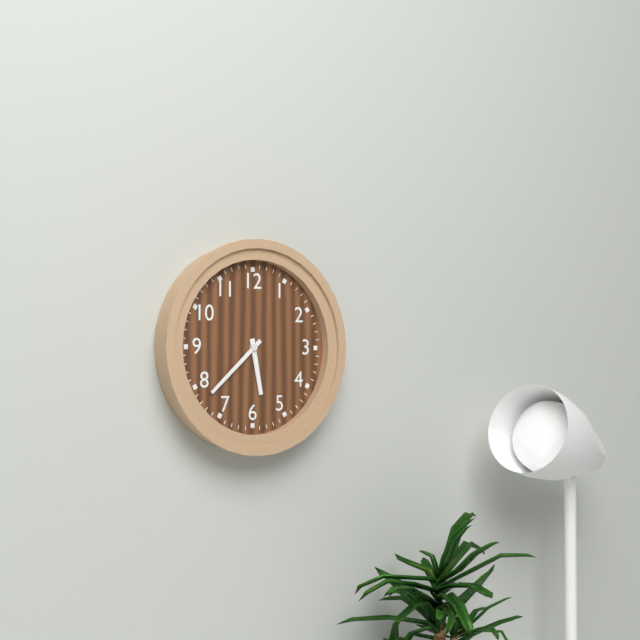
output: h=5 m=38
